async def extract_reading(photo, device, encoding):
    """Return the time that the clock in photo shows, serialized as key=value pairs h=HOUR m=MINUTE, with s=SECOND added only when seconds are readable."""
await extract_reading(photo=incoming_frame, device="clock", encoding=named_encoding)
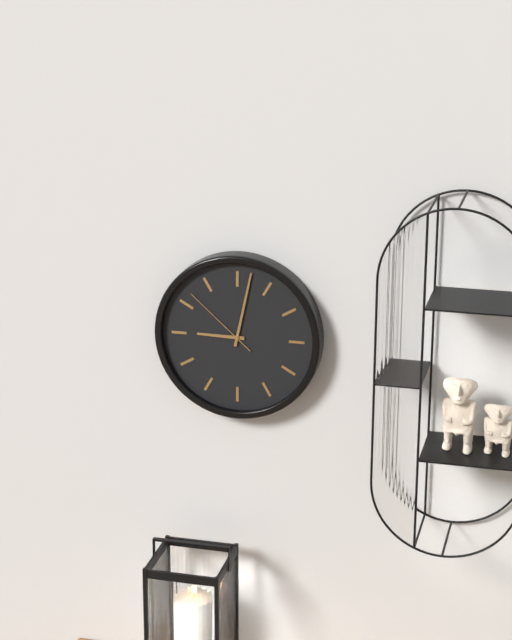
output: h=9 m=2 s=52
